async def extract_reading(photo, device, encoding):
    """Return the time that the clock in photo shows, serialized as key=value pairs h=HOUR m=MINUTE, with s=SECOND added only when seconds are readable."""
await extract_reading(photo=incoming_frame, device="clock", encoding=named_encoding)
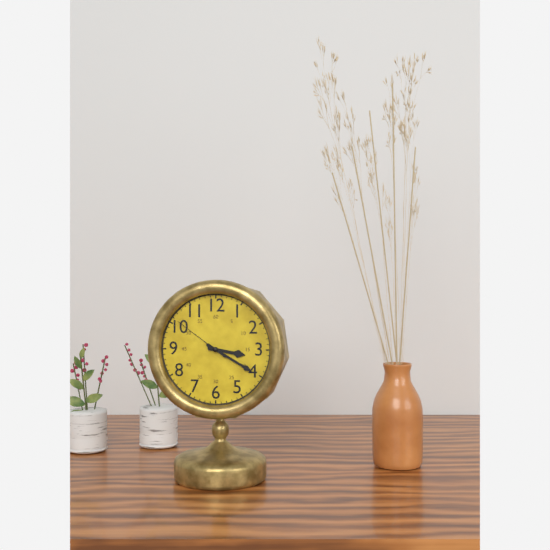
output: h=3 m=20 s=51
